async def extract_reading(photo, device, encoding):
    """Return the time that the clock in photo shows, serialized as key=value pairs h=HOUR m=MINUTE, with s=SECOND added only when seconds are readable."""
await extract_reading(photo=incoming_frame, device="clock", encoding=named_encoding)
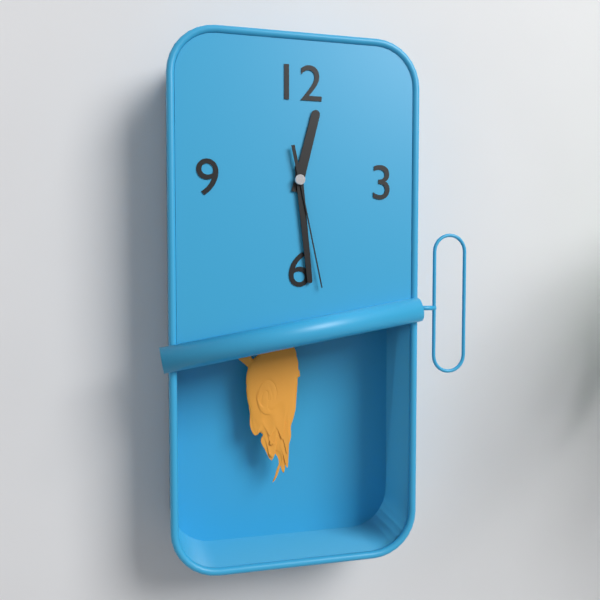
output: h=12 m=29 s=28
